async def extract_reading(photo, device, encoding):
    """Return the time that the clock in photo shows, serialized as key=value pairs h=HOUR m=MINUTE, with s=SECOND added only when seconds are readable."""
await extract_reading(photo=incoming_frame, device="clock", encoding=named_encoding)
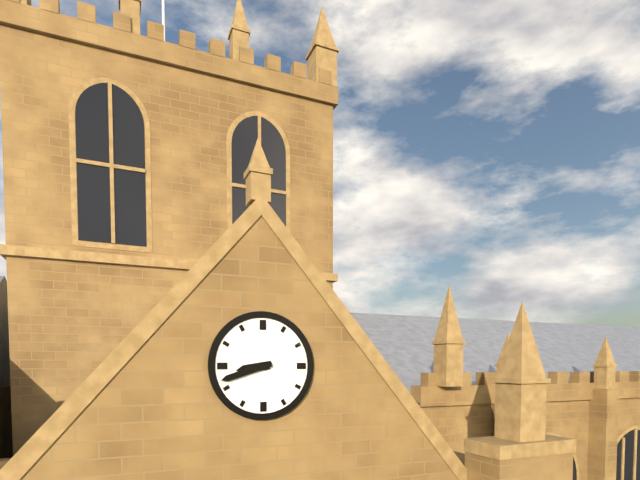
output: h=8 m=42
